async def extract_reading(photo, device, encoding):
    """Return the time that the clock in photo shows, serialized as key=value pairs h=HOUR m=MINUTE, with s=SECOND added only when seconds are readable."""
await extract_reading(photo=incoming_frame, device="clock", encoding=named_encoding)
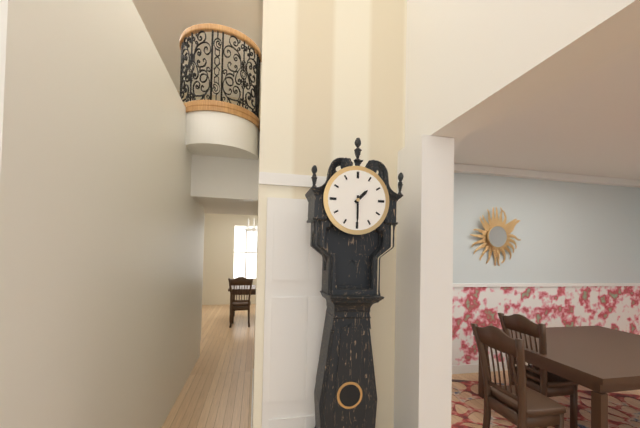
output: h=1 m=30
